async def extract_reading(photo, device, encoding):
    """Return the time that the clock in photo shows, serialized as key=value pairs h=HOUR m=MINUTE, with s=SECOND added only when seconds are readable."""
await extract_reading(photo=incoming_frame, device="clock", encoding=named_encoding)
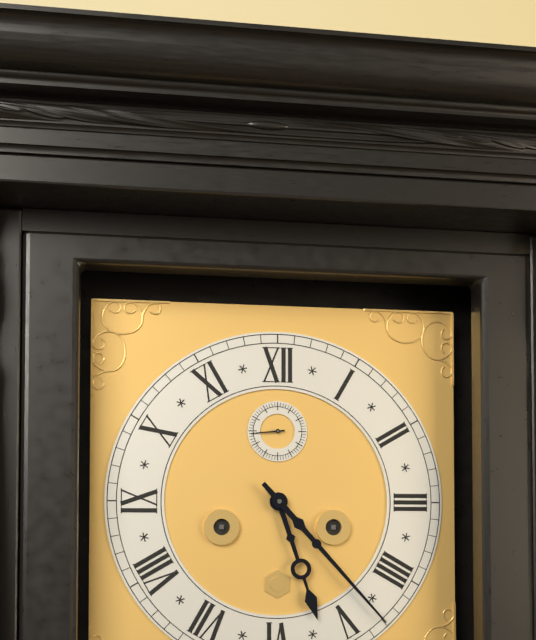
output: h=5 m=23
